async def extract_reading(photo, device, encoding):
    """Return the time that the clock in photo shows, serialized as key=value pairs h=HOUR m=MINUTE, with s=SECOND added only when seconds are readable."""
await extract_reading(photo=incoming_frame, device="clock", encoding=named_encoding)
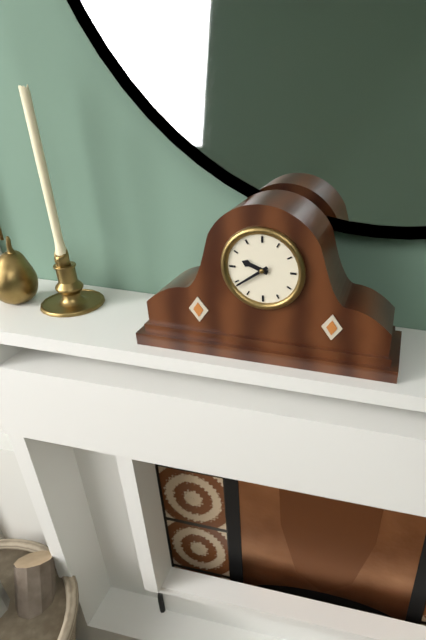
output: h=9 m=39
